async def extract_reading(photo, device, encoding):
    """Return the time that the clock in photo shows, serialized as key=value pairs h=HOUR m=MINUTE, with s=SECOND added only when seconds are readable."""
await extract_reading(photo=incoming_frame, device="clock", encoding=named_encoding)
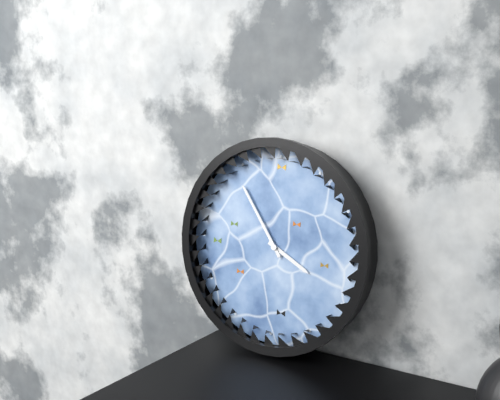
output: h=3 m=54
